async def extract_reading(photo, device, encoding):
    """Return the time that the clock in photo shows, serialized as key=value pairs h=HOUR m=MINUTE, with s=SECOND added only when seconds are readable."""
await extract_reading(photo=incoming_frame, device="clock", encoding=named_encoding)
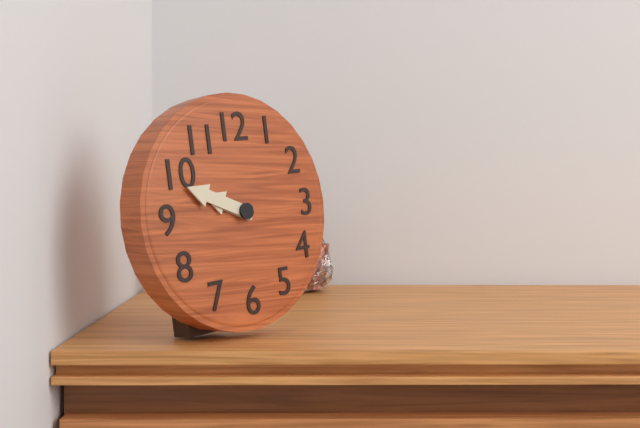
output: h=9 m=49
